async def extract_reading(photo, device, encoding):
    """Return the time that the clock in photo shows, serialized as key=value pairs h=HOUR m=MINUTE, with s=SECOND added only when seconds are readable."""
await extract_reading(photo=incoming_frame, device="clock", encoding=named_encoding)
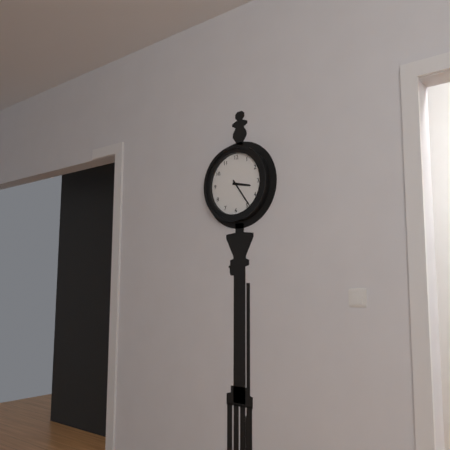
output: h=3 m=24
